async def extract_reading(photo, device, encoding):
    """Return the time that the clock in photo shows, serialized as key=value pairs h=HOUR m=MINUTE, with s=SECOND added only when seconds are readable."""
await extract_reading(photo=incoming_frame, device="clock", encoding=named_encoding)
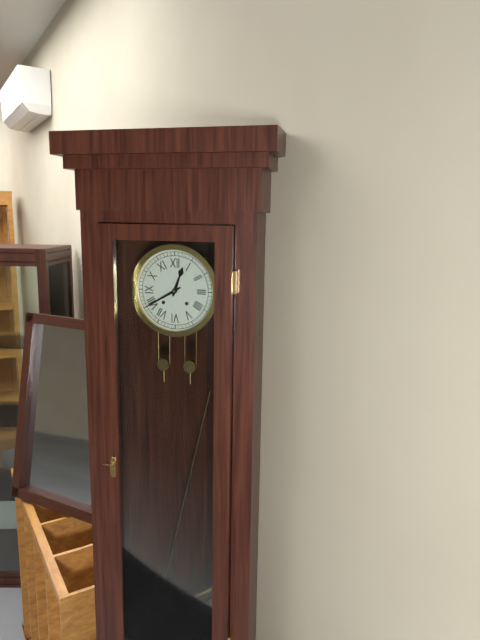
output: h=12 m=40
